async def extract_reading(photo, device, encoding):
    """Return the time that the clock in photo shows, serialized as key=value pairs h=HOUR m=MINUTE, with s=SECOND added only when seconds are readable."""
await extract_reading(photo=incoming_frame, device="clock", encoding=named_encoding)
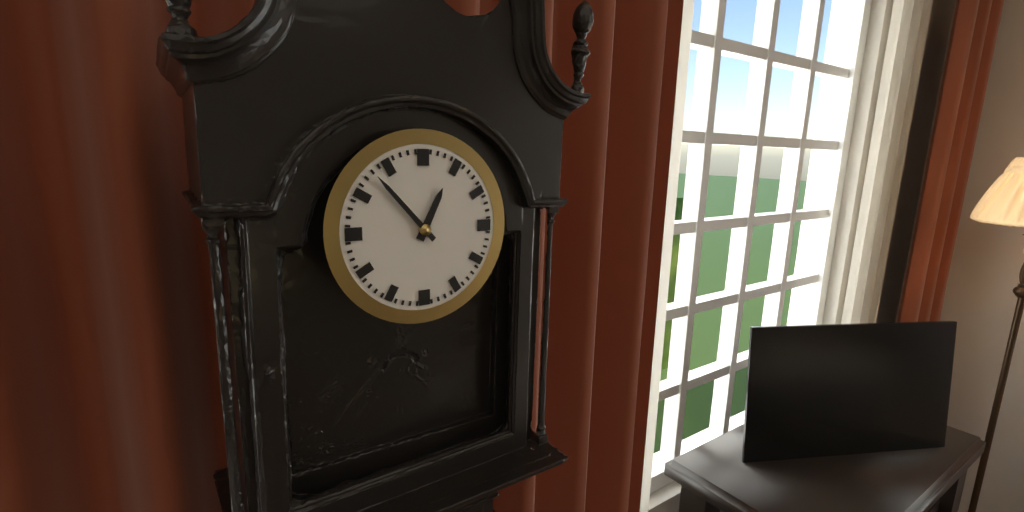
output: h=12 m=53
